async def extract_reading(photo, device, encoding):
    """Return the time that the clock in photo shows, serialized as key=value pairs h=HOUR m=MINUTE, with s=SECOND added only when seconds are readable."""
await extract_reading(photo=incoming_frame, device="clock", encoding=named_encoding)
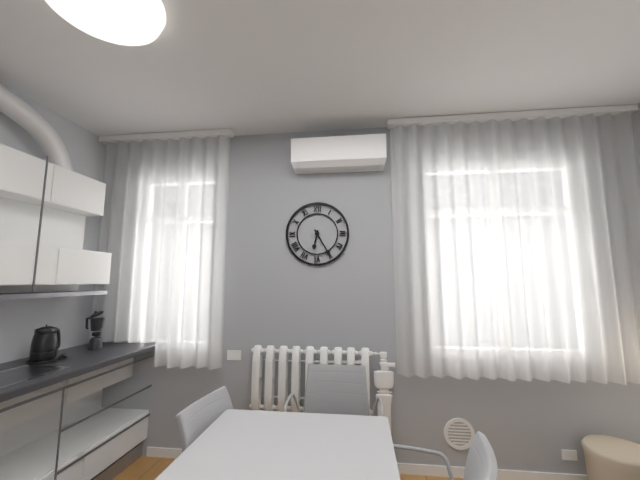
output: h=6 m=25
